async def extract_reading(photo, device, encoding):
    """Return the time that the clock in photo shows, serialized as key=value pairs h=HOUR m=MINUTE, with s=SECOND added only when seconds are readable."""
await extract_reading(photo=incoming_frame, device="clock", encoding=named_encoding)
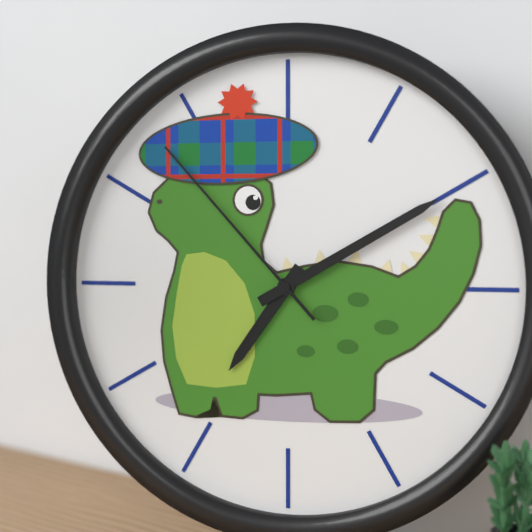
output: h=7 m=10 s=53
